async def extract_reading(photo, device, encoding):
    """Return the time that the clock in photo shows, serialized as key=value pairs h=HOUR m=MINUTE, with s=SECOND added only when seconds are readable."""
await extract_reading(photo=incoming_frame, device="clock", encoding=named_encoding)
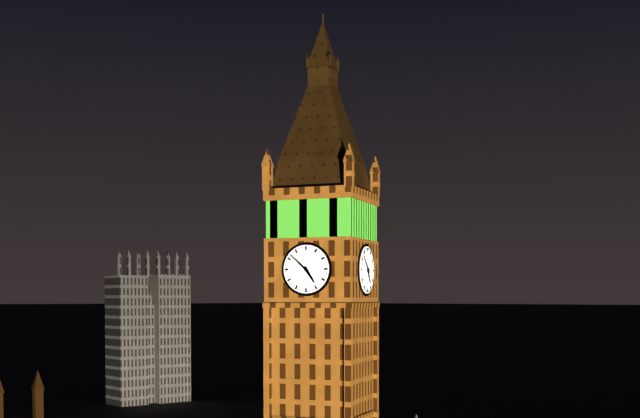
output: h=4 m=52
